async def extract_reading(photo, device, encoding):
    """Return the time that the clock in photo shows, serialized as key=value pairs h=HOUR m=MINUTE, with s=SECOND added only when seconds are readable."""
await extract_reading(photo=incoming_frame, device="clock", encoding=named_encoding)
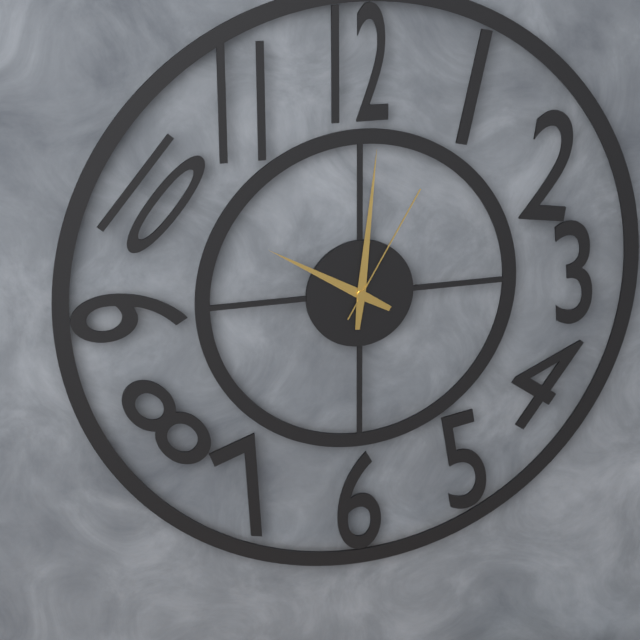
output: h=10 m=1 s=5
